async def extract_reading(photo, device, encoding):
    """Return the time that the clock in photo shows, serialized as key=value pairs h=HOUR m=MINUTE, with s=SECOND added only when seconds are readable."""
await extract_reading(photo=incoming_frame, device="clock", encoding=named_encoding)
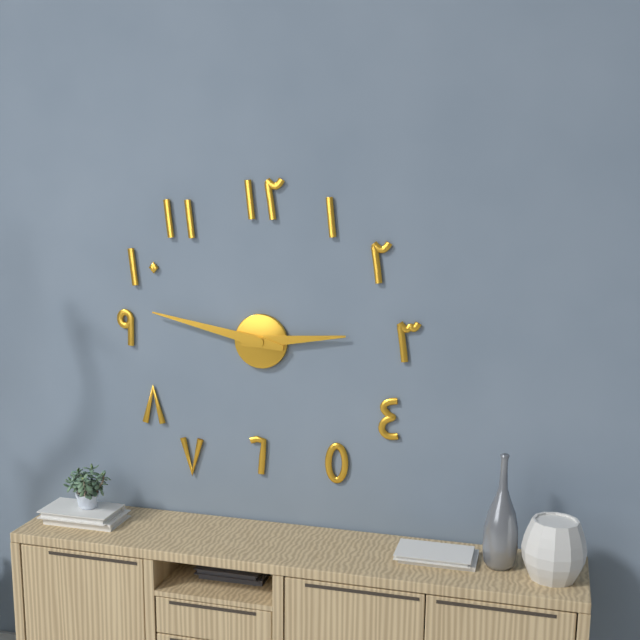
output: h=2 m=47
